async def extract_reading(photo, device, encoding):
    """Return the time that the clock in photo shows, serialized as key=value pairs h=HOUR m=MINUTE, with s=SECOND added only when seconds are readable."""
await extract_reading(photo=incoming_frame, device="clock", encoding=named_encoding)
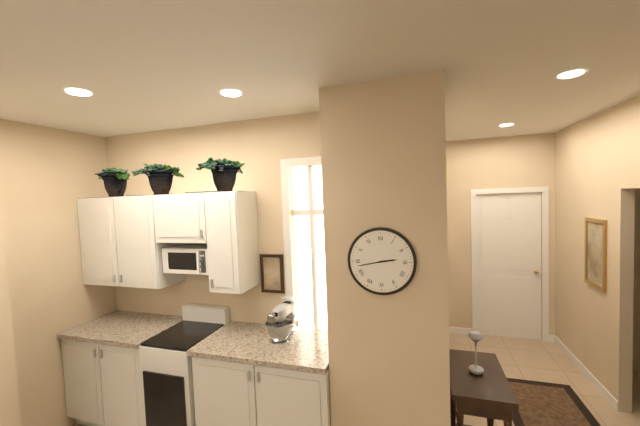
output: h=2 m=43
